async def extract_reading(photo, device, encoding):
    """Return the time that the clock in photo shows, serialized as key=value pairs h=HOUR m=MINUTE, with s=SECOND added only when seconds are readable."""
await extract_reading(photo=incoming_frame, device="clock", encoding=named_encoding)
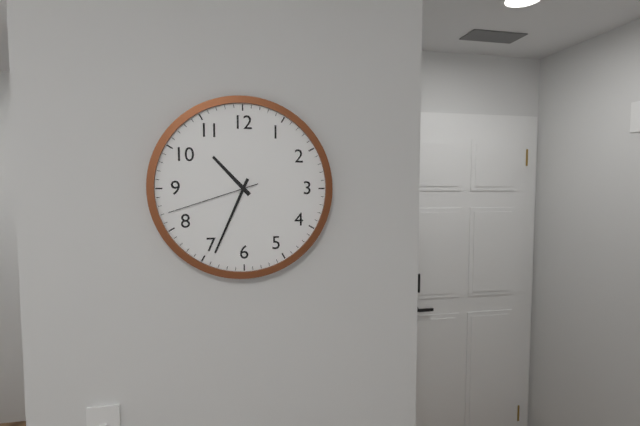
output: h=10 m=34 s=42
